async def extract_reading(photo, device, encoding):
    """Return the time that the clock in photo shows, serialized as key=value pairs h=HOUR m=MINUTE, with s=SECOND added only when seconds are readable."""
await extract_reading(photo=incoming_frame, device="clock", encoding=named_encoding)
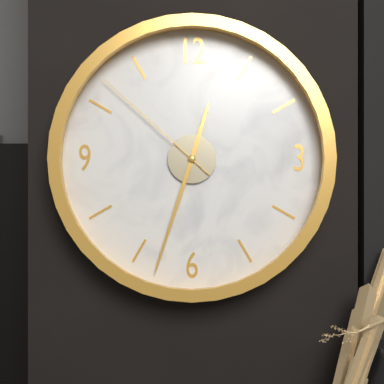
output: h=12 m=33 s=52
